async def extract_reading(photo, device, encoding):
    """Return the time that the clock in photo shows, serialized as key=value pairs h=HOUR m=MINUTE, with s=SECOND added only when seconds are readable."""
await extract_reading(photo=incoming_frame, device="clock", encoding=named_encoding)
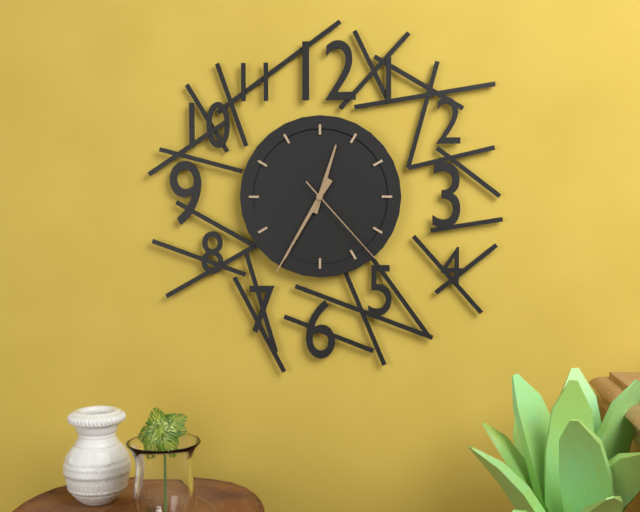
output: h=12 m=35 s=23
